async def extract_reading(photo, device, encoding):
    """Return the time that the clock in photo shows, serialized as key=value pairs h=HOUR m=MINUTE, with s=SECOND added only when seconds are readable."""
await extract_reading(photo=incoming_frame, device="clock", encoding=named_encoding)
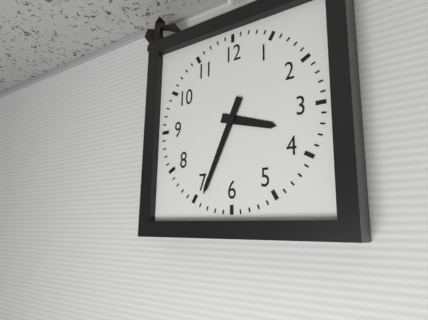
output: h=3 m=34
